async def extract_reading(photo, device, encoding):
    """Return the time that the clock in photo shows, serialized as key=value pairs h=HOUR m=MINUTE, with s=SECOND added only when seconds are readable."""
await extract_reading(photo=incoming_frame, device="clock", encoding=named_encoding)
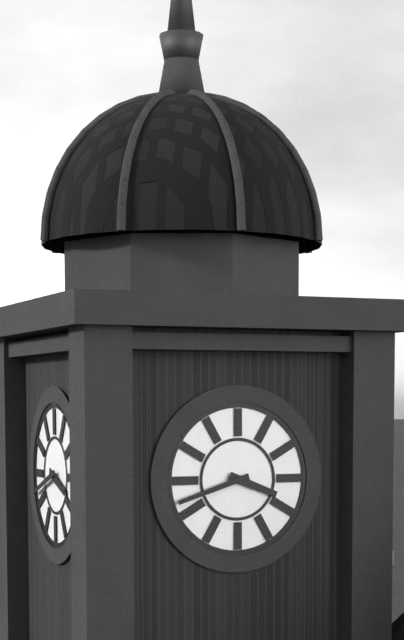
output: h=3 m=42
